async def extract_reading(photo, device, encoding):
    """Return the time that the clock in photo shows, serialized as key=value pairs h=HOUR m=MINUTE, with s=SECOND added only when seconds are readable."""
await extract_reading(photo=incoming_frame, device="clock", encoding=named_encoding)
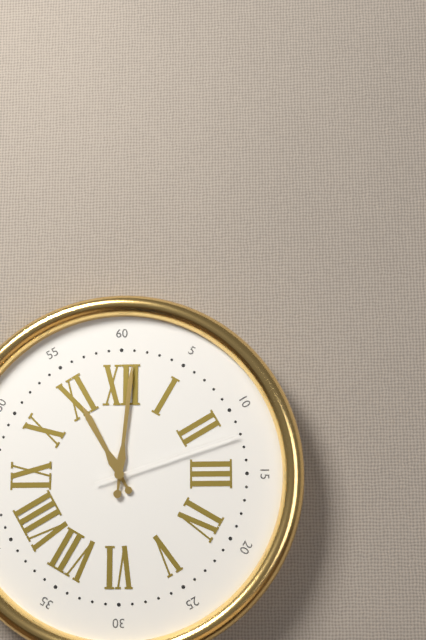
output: h=11 m=1 s=12
